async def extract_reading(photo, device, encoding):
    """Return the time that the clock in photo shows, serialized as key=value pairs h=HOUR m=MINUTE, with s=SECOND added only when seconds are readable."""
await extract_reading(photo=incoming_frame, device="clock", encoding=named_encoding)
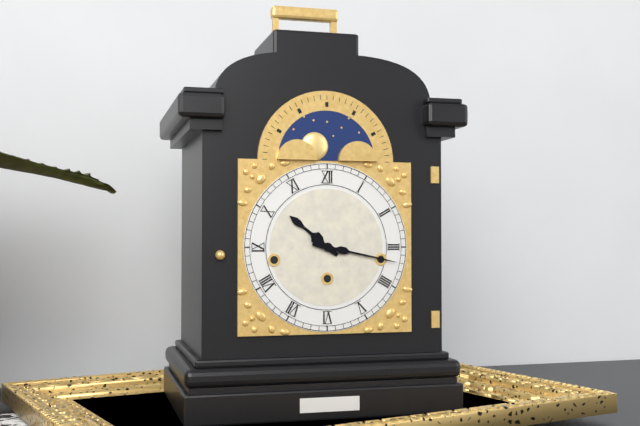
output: h=10 m=17
